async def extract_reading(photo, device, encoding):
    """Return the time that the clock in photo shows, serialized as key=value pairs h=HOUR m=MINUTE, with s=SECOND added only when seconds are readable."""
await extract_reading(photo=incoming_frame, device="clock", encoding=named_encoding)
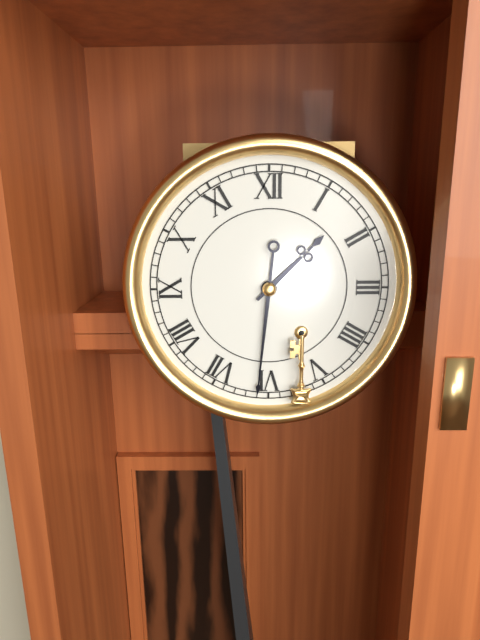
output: h=1 m=31
